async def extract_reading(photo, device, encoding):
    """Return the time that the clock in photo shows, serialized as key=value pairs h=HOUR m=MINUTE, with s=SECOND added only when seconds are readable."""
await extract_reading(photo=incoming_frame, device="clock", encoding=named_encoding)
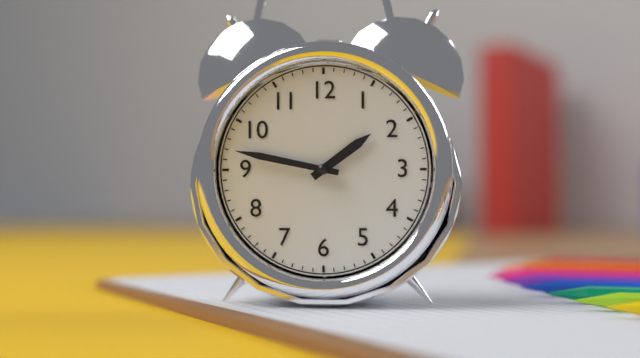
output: h=1 m=47
